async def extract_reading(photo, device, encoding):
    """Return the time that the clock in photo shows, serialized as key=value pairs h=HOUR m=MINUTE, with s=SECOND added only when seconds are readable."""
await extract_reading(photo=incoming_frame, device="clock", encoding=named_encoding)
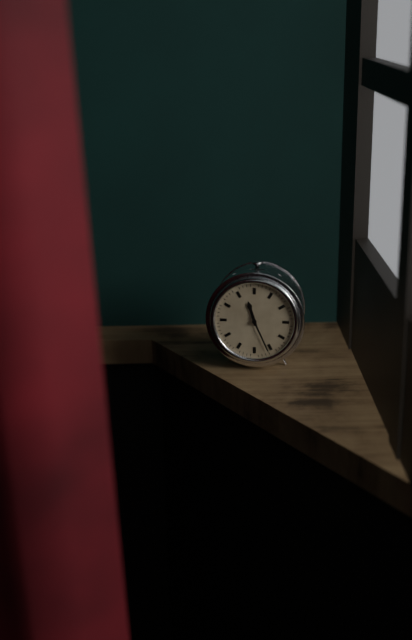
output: h=11 m=26
